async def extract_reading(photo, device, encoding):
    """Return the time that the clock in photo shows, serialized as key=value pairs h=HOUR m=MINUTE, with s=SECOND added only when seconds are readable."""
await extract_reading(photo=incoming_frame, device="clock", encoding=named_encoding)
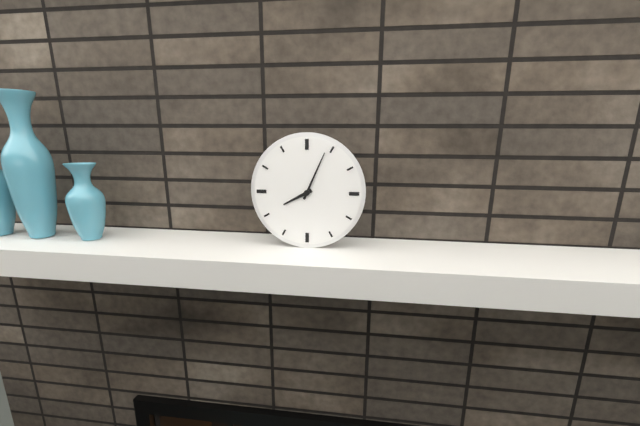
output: h=8 m=4
